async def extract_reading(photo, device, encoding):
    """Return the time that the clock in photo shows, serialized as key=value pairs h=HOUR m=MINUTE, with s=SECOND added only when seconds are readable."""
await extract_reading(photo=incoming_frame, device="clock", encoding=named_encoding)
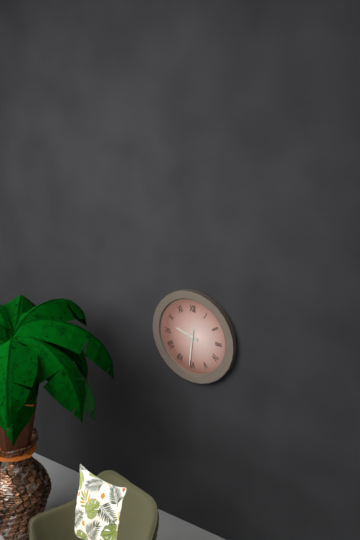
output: h=9 m=31
